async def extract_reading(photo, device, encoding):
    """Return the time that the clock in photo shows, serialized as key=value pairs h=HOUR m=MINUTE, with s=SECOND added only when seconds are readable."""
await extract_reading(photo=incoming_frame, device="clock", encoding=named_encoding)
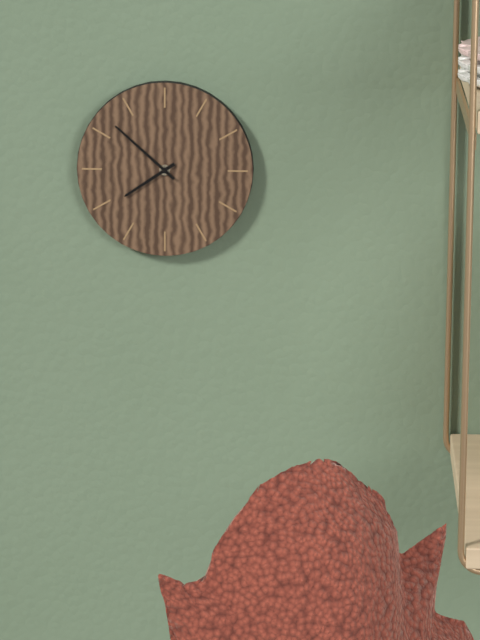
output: h=7 m=52
